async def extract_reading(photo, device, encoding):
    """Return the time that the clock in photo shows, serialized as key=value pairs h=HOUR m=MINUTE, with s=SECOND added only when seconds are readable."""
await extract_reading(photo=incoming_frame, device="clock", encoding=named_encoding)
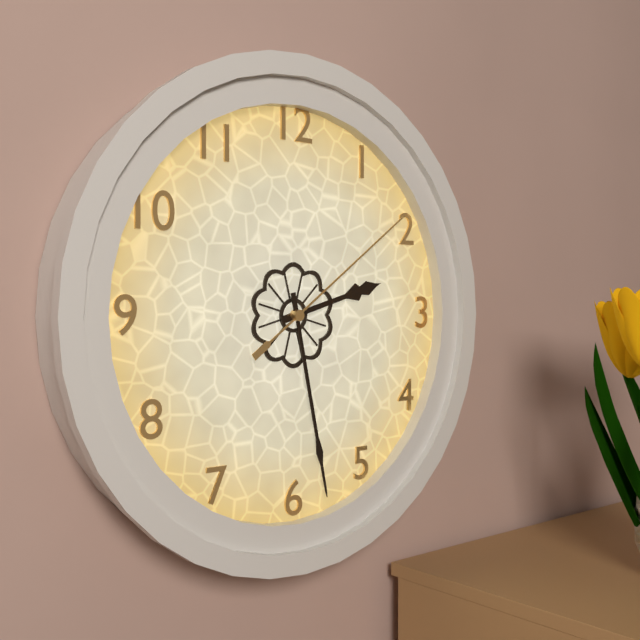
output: h=2 m=28 s=9
